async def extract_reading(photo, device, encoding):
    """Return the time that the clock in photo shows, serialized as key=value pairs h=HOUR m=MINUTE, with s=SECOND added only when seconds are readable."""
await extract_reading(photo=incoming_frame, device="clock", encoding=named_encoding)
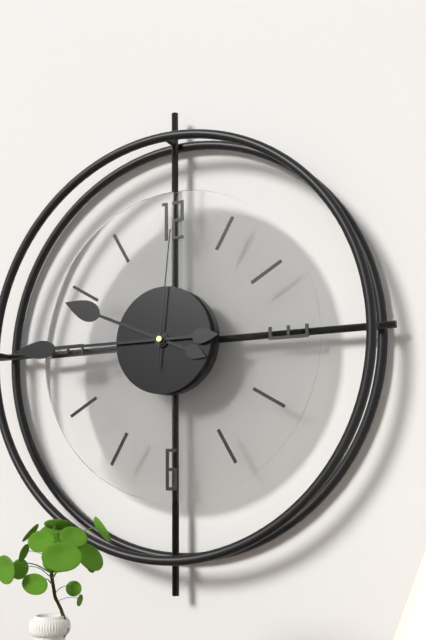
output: h=9 m=45 s=1
